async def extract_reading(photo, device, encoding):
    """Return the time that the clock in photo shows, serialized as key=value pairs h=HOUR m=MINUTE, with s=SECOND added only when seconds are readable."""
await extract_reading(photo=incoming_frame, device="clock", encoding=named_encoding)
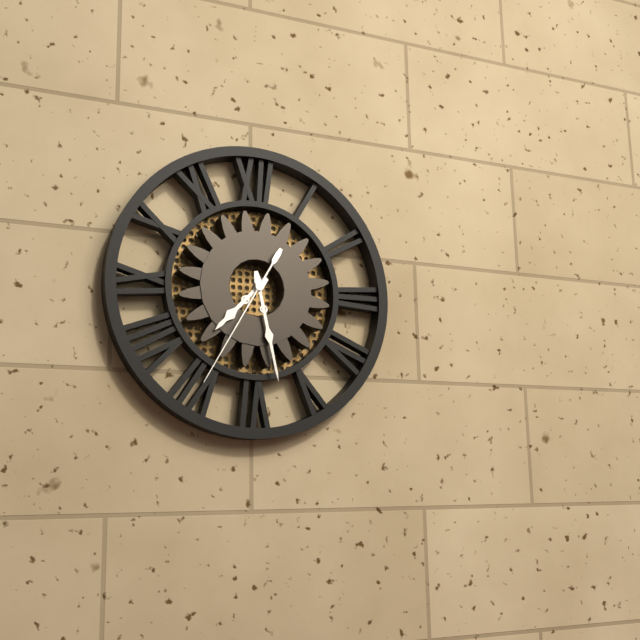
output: h=7 m=28 s=35
